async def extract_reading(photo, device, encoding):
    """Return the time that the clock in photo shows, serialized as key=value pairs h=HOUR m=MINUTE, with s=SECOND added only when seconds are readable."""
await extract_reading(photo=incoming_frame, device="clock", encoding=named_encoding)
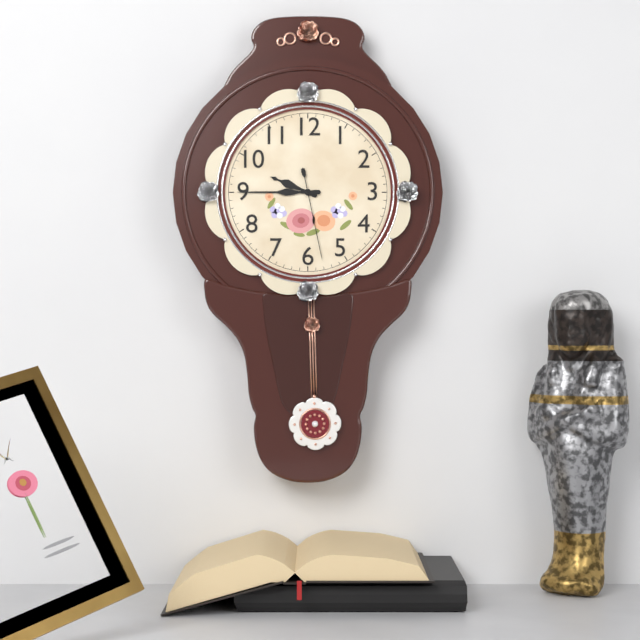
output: h=9 m=45 s=28
